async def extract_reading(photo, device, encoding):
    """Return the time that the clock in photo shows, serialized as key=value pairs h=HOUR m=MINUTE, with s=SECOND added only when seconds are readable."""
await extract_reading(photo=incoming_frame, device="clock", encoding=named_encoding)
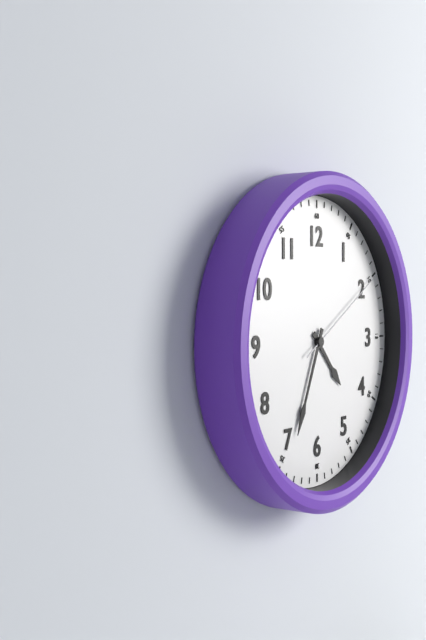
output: h=4 m=34 s=10
